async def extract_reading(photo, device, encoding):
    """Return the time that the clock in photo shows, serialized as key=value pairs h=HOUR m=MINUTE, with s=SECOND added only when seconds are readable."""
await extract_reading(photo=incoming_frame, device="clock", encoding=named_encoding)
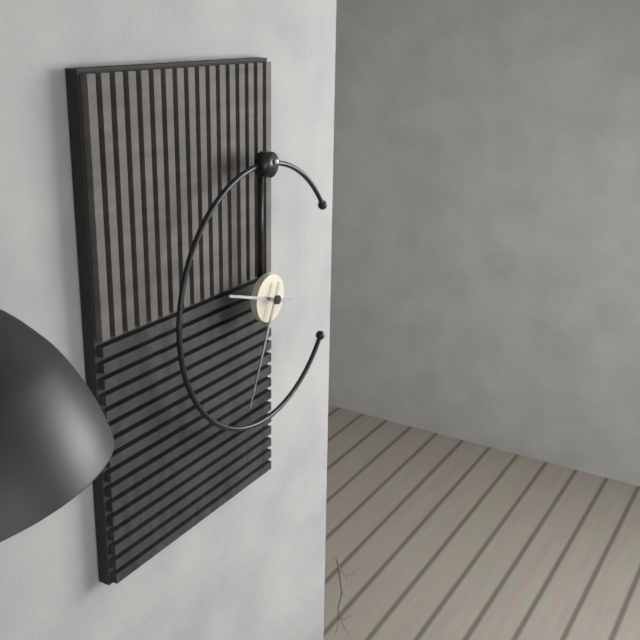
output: h=9 m=34
